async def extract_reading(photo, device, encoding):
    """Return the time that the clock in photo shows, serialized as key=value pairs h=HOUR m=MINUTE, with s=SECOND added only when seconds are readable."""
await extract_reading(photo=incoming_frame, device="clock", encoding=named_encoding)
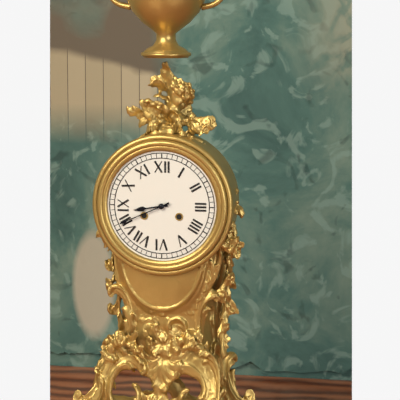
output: h=8 m=41
